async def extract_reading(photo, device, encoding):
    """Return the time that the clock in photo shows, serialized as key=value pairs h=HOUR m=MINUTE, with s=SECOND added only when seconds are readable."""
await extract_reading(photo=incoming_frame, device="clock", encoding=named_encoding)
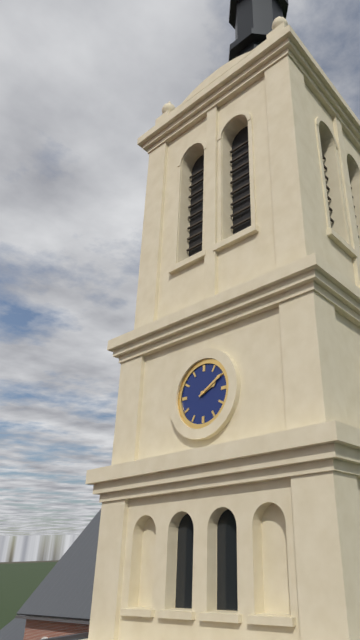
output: h=2 m=10
